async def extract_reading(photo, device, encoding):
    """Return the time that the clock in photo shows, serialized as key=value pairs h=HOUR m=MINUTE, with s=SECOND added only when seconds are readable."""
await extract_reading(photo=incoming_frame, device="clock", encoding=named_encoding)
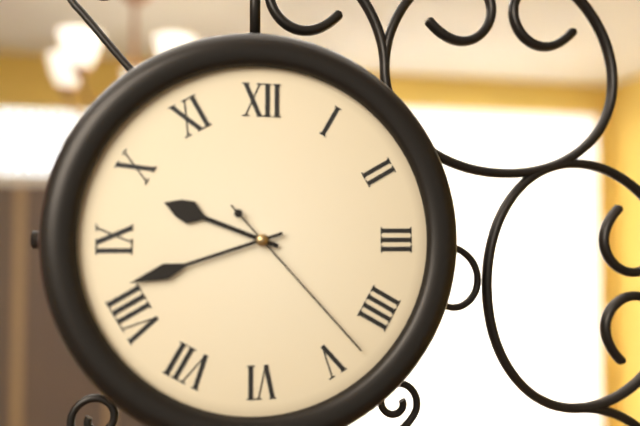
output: h=9 m=42 s=23
